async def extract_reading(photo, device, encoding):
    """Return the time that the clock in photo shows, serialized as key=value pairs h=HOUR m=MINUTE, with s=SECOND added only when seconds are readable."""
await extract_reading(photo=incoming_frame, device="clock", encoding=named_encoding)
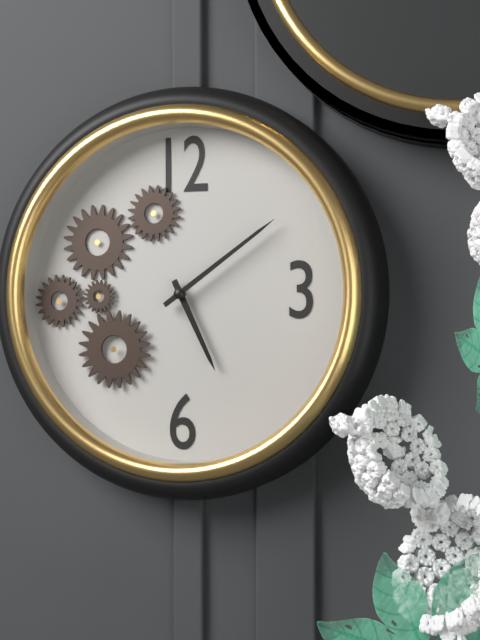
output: h=5 m=9
